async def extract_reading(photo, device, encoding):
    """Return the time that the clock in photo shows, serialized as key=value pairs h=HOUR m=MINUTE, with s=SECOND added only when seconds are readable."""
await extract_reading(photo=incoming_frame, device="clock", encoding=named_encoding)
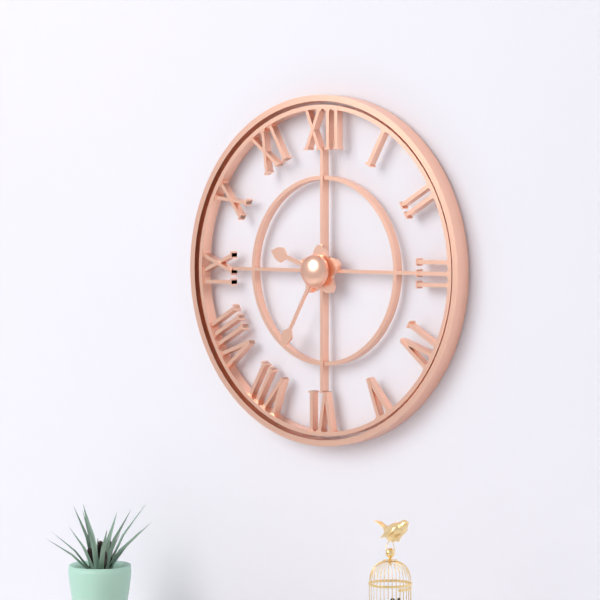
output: h=9 m=35
